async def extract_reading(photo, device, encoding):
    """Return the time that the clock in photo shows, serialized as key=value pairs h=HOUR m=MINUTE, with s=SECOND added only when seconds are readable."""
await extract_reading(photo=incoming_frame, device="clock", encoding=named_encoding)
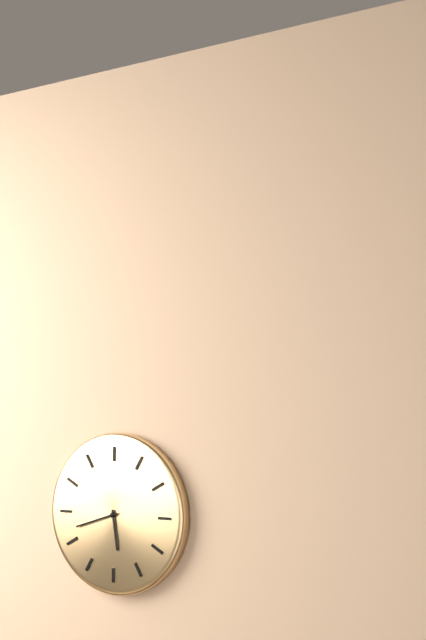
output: h=5 m=42
